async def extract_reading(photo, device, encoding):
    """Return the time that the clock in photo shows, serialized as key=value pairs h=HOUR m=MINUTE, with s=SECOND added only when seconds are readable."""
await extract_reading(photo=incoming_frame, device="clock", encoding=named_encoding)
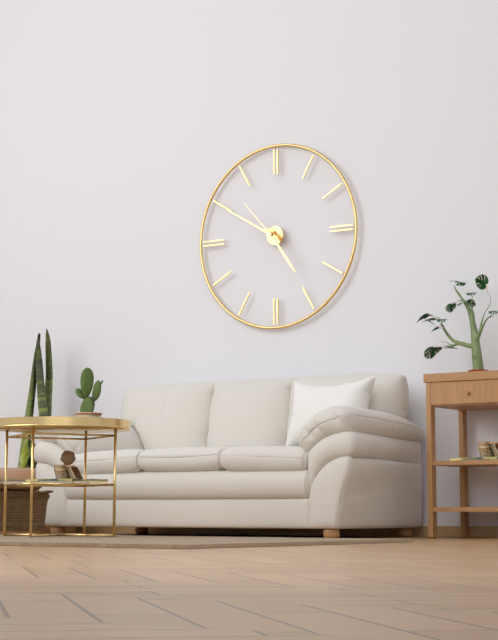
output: h=4 m=50 s=53
